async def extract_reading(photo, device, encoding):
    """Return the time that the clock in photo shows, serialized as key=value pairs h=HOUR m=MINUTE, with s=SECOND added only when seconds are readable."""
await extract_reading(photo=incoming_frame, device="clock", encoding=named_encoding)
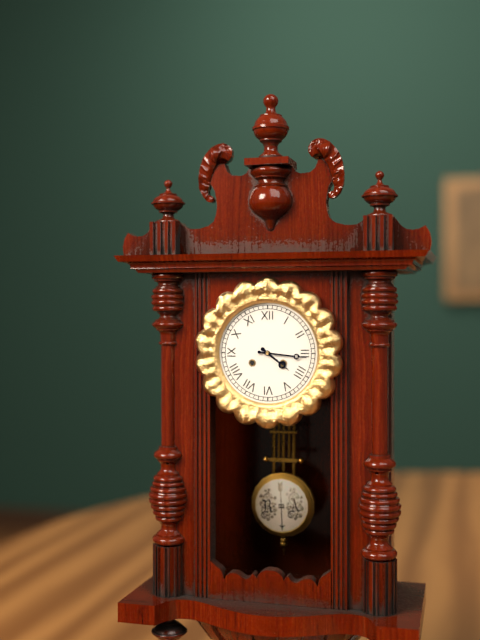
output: h=4 m=16
